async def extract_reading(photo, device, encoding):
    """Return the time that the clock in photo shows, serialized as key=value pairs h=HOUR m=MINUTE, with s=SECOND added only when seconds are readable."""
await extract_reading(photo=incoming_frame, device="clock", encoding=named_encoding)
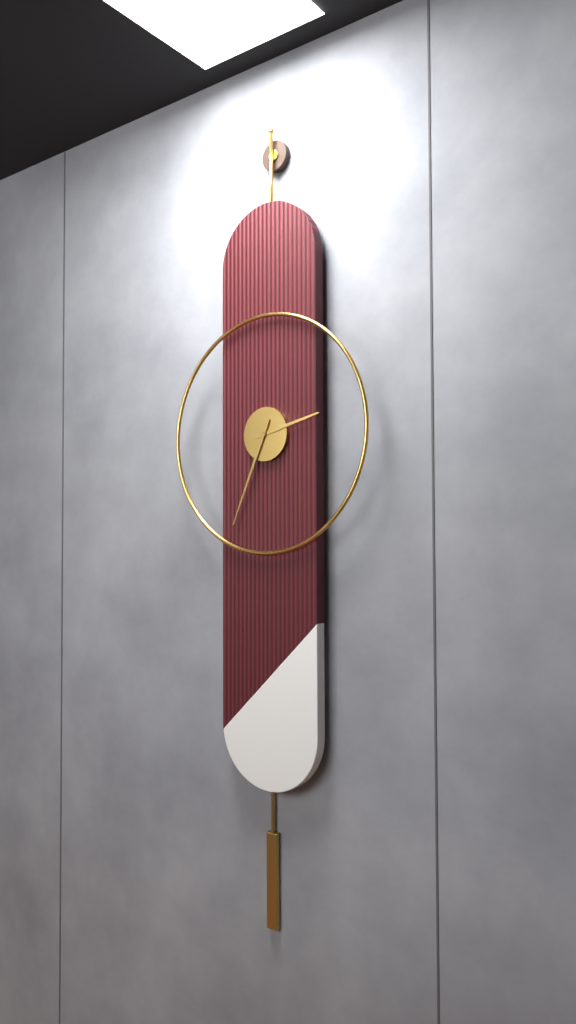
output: h=2 m=34
